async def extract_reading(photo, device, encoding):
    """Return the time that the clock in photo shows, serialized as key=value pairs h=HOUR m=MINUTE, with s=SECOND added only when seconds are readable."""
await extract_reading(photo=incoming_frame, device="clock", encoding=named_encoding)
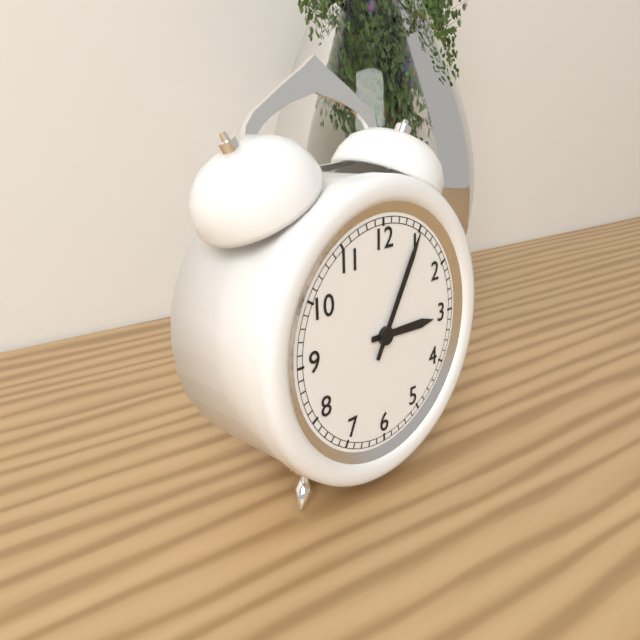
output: h=3 m=5
